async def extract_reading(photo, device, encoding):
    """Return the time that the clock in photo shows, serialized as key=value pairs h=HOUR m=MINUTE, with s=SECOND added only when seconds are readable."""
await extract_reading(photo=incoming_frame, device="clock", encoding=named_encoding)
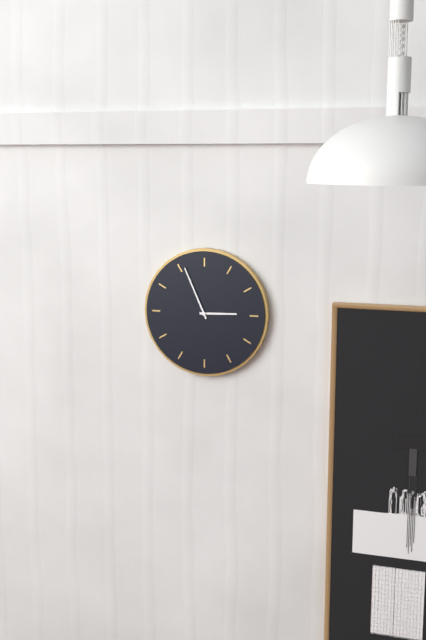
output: h=2 m=56
